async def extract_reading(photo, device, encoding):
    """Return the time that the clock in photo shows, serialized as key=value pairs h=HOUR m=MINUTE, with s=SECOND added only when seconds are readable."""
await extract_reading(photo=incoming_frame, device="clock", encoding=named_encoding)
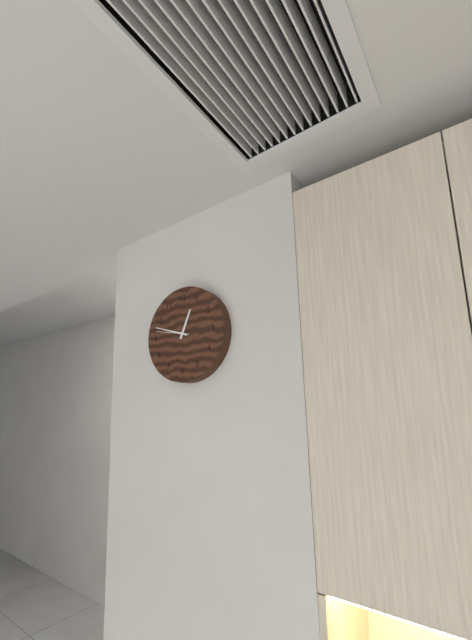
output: h=12 m=48
